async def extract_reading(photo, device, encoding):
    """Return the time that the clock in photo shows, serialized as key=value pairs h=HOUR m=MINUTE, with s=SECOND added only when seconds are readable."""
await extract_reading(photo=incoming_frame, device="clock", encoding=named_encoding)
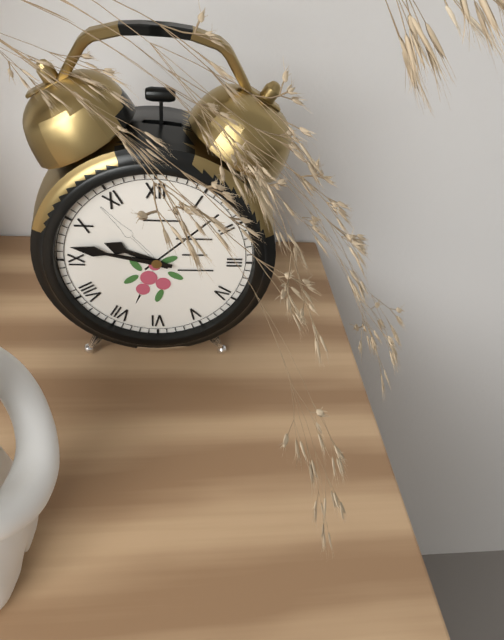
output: h=9 m=47
